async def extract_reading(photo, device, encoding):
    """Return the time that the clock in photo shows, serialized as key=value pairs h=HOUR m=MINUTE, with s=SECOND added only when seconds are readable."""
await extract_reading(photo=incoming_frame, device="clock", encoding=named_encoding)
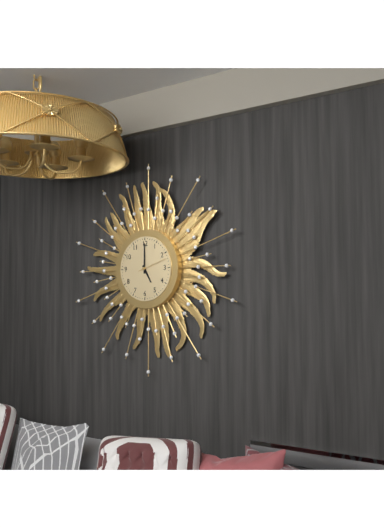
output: h=5 m=0
